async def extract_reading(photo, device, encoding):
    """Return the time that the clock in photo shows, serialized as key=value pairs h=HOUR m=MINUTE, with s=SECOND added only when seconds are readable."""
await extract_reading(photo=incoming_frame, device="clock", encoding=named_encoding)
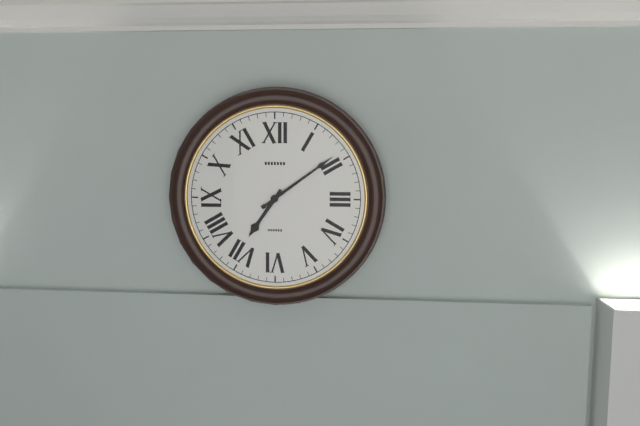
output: h=7 m=9
